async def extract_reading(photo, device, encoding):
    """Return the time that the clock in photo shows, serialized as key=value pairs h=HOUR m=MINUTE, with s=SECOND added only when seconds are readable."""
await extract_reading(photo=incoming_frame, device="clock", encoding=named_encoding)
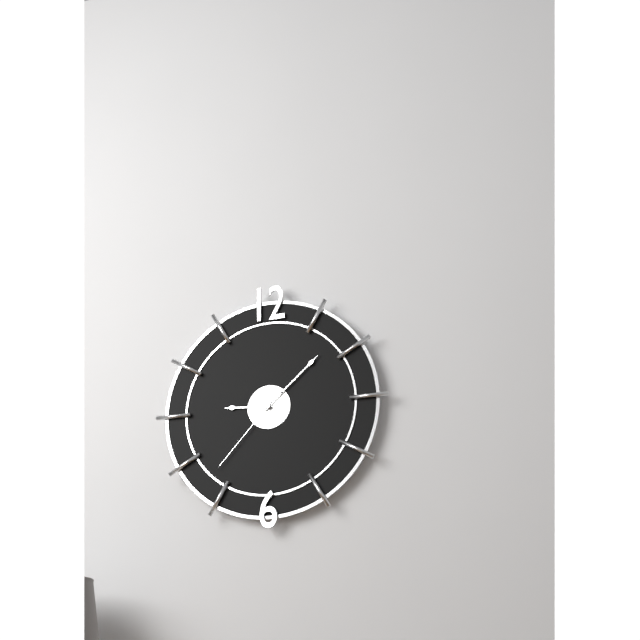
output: h=9 m=8 s=37
